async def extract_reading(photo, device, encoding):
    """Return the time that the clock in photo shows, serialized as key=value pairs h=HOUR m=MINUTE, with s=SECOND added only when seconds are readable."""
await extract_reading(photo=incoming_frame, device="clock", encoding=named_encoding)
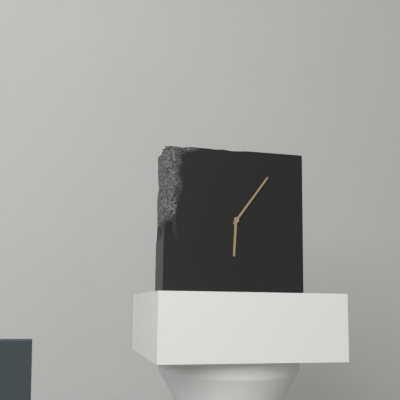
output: h=6 m=6
